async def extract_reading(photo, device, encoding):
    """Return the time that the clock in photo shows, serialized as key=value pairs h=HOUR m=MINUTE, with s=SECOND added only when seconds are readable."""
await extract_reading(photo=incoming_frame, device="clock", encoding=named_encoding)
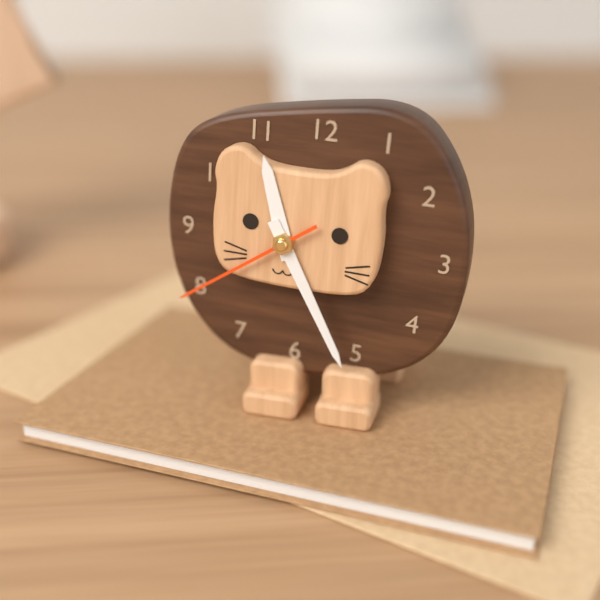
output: h=11 m=25 s=39
